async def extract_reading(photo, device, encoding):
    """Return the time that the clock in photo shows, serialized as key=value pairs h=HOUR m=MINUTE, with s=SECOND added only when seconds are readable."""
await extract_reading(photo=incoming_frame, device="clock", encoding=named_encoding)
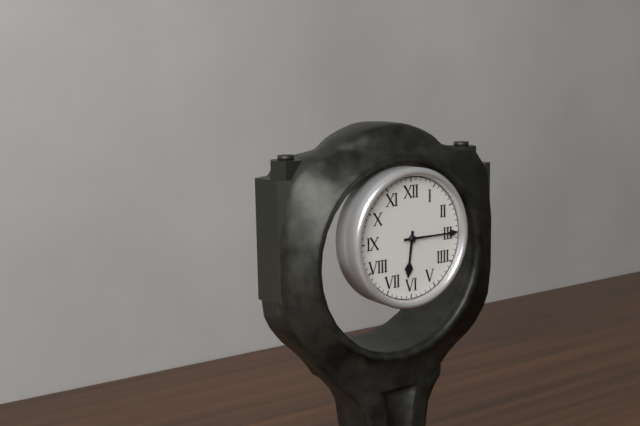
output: h=6 m=15
